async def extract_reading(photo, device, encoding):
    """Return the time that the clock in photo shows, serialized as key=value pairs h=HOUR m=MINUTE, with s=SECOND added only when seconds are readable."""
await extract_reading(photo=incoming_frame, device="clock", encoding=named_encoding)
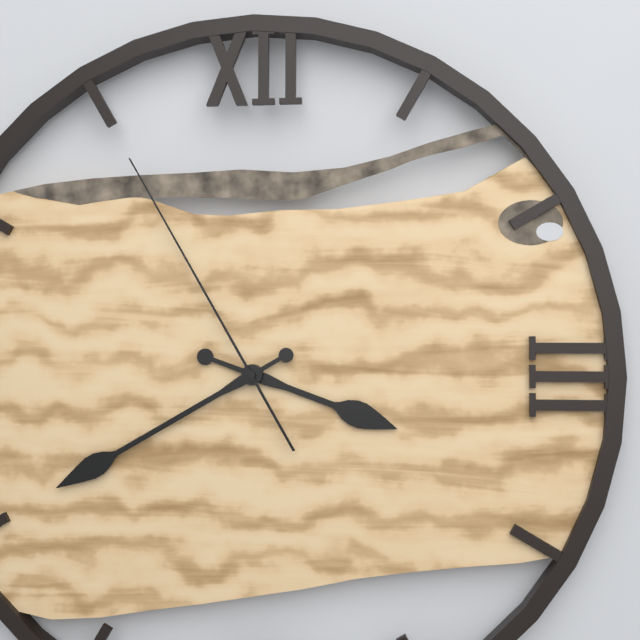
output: h=3 m=40 s=55
